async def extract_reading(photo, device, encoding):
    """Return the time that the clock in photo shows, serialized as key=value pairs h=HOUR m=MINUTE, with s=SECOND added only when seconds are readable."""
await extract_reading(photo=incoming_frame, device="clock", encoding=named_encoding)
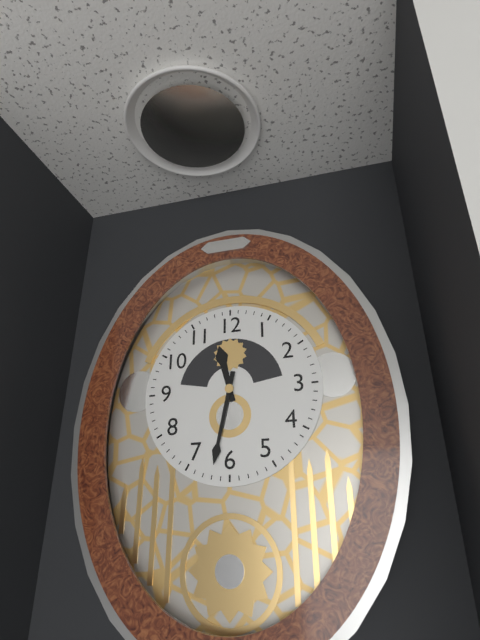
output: h=11 m=32
